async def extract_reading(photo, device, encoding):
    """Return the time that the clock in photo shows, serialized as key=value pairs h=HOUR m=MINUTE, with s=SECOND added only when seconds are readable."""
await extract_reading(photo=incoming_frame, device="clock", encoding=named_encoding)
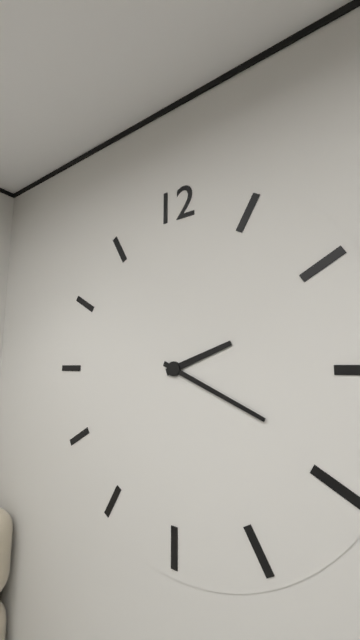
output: h=2 m=19
